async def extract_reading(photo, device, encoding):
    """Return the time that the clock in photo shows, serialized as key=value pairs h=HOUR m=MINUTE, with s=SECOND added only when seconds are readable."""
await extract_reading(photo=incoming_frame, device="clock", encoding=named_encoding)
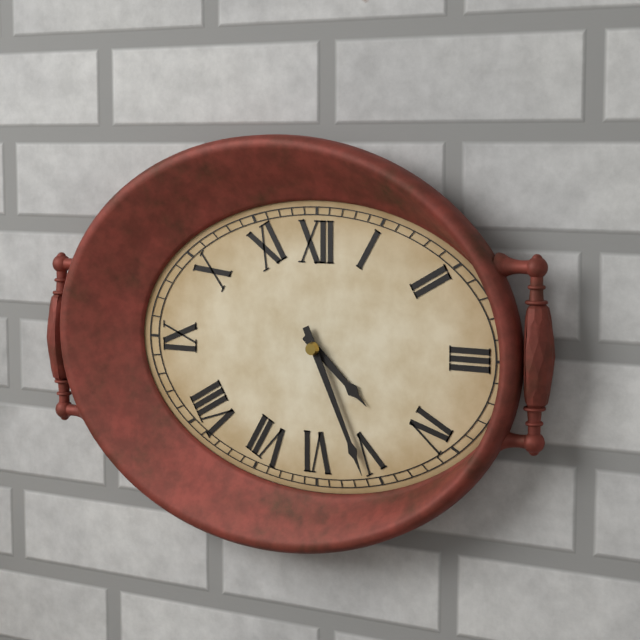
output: h=4 m=26
